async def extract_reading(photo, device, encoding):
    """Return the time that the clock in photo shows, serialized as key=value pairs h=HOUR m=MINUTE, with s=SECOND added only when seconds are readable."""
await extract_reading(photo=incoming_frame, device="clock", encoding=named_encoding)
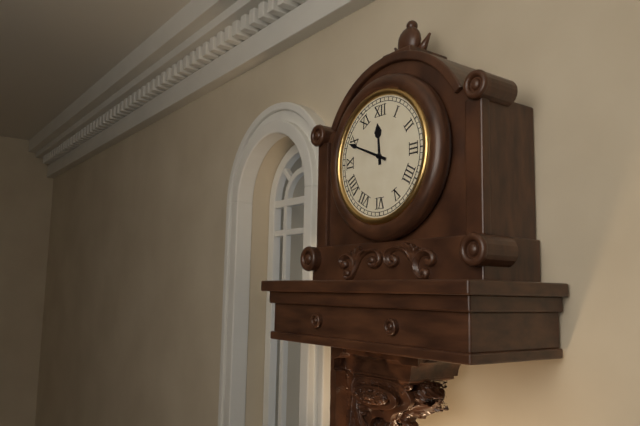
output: h=11 m=49
